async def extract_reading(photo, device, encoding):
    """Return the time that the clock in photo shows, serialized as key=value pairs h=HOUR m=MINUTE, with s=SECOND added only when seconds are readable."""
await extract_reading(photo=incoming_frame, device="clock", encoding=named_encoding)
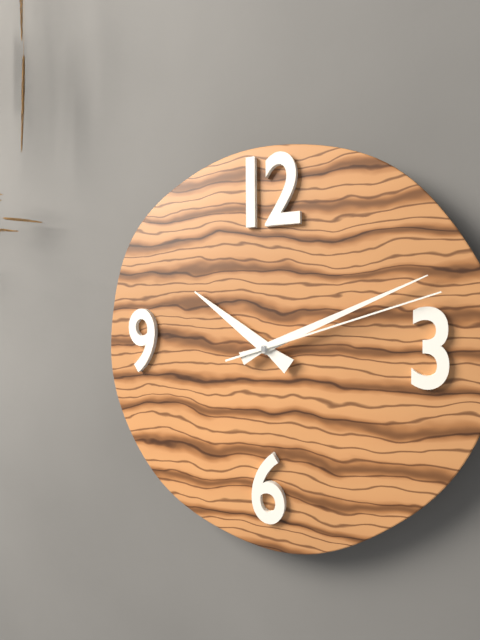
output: h=10 m=11 s=12
